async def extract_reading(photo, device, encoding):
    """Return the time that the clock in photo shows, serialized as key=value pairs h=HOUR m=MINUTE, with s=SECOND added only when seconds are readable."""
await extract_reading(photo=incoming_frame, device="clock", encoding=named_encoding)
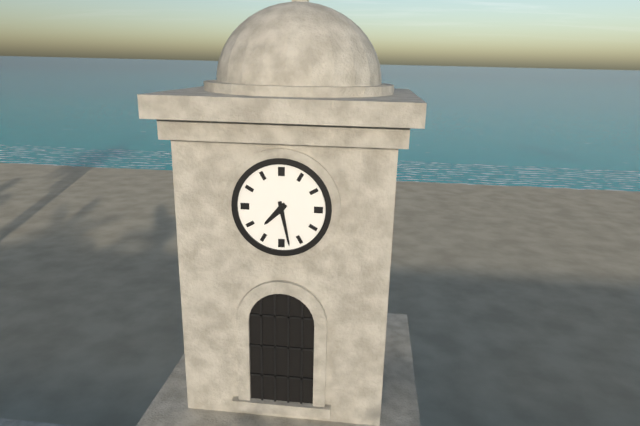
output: h=7 m=28
